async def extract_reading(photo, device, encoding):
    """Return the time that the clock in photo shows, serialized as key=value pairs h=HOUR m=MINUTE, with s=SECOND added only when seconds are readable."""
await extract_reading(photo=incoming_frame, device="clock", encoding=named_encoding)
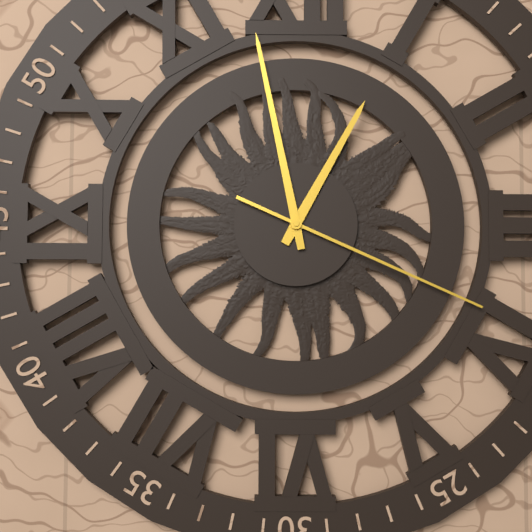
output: h=12 m=58 s=19
